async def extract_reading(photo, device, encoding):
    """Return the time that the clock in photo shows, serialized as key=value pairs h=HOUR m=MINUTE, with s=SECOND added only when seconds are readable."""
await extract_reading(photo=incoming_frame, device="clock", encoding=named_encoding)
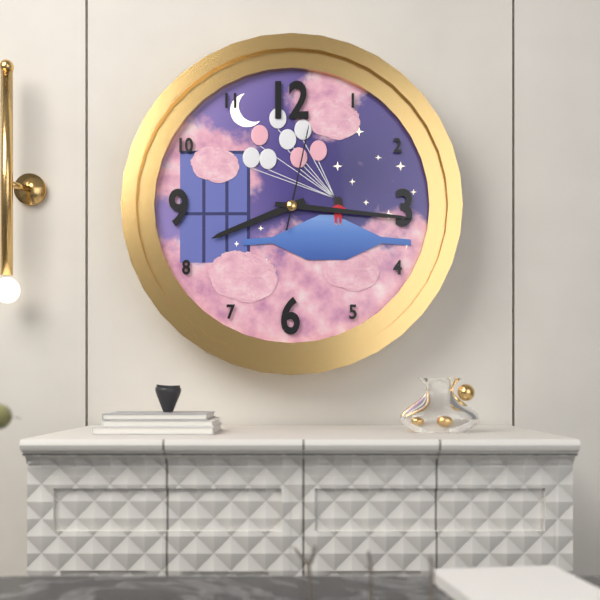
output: h=8 m=16 s=2
